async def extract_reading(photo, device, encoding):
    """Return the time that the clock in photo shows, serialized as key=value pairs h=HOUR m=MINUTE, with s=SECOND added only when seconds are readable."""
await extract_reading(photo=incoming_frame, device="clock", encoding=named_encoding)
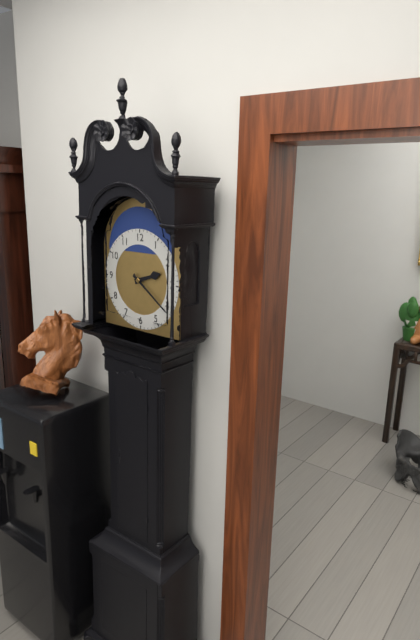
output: h=2 m=21
